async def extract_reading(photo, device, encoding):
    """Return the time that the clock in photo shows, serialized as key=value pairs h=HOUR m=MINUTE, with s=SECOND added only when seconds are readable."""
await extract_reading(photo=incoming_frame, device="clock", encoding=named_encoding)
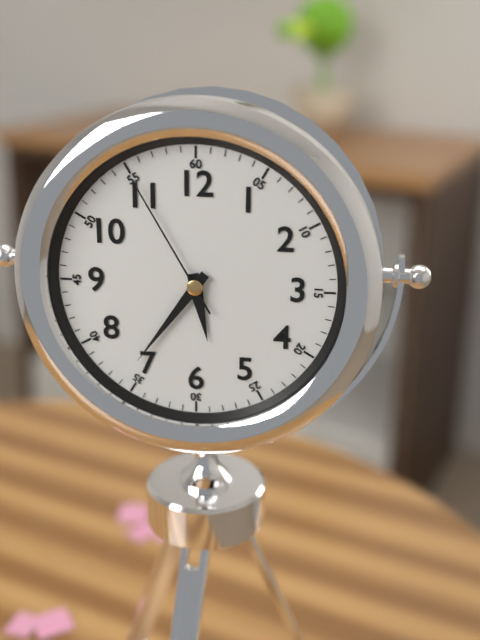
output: h=5 m=36 s=55
